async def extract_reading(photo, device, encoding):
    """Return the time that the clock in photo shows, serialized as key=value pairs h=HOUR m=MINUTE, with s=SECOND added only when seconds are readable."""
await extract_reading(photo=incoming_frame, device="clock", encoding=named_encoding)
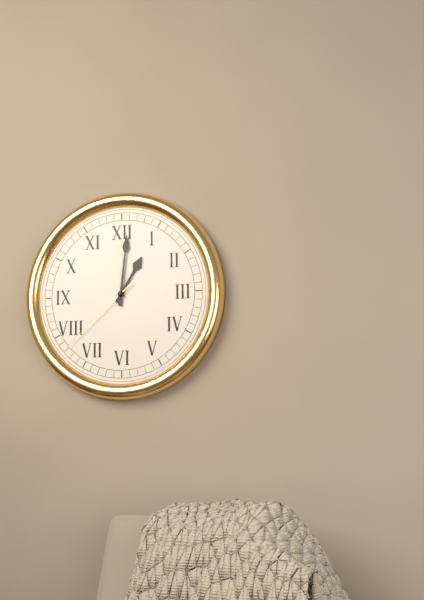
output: h=1 m=1 s=38
